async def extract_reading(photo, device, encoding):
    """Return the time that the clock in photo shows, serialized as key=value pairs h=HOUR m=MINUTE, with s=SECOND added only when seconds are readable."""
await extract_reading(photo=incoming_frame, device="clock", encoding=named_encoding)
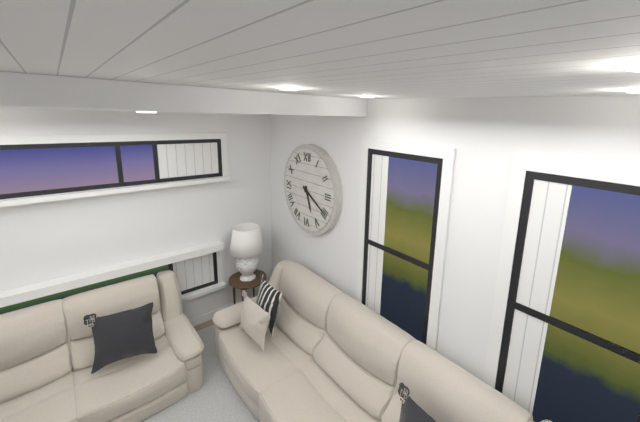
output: h=5 m=20
